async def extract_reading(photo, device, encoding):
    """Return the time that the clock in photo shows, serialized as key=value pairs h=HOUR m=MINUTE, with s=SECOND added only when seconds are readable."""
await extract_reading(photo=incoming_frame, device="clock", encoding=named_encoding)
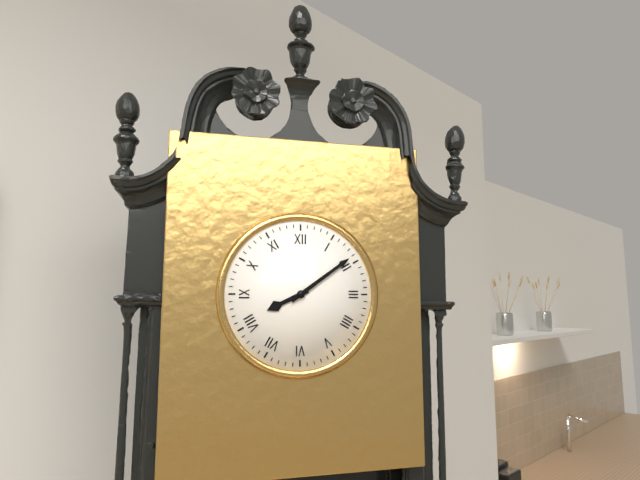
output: h=8 m=9
